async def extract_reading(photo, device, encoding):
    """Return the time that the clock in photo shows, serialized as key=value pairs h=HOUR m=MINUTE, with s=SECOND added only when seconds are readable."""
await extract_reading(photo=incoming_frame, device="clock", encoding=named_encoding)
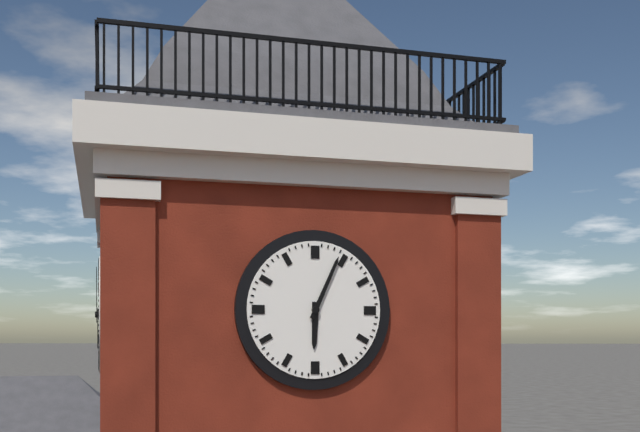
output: h=6 m=4
